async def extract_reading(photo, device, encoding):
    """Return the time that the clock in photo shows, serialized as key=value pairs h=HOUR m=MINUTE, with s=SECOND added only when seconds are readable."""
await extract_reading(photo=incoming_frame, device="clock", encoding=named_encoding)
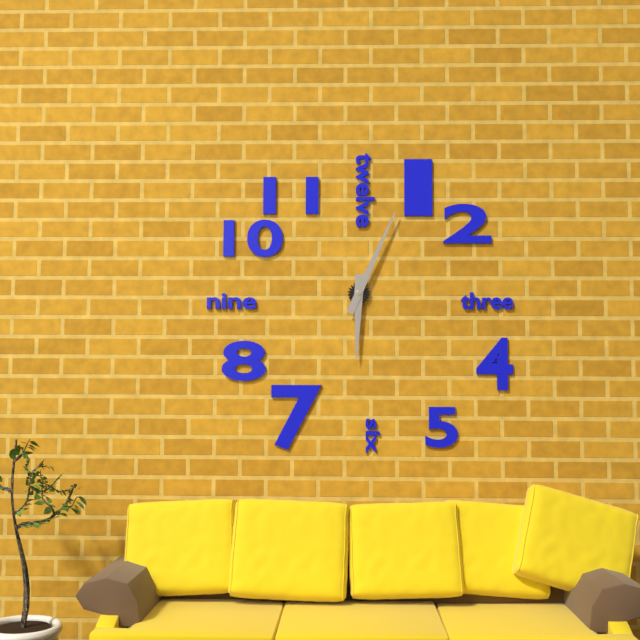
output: h=6 m=4
